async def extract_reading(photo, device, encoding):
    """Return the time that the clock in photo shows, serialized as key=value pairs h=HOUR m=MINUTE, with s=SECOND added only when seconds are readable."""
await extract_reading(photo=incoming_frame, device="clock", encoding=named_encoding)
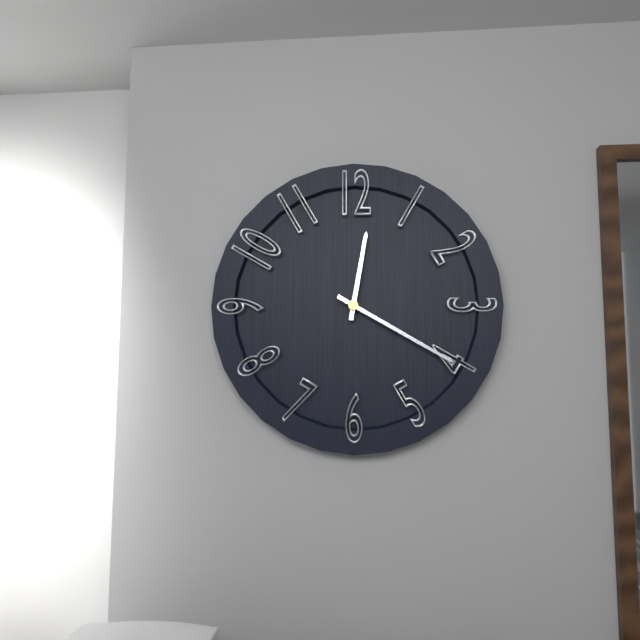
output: h=12 m=20
